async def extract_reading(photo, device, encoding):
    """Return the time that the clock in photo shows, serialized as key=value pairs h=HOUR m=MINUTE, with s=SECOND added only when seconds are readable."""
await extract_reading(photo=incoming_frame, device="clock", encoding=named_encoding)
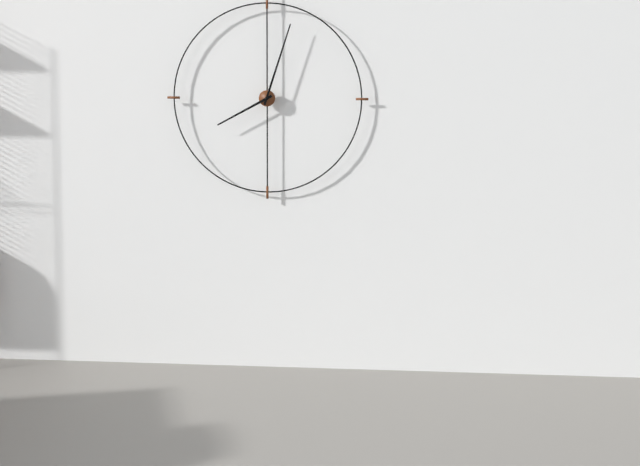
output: h=8 m=3
